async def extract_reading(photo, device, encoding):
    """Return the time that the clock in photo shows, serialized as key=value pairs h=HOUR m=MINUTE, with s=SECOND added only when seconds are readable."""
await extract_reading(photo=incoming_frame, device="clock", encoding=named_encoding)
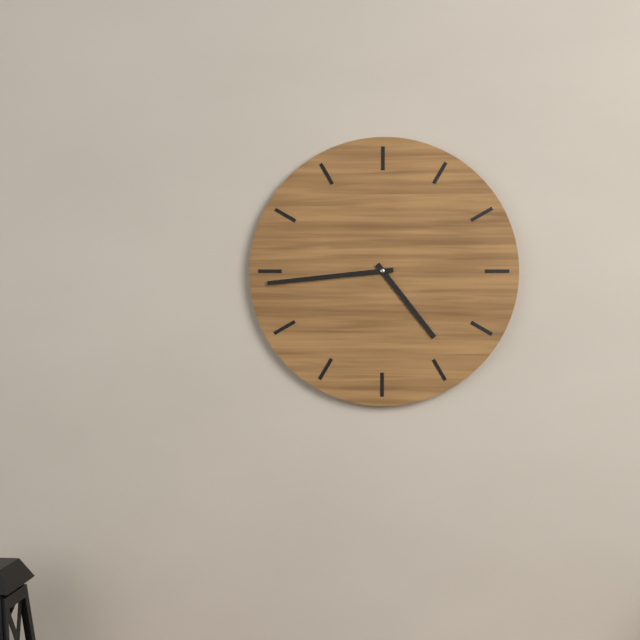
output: h=4 m=44
